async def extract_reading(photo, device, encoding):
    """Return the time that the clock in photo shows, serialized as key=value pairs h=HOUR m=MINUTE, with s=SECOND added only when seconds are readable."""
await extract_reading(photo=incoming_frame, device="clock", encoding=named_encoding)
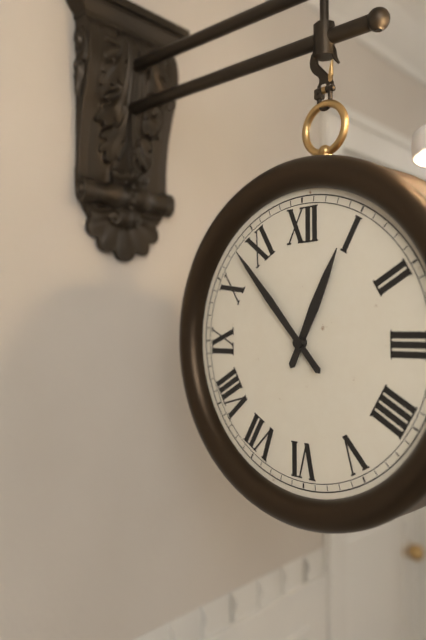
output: h=12 m=53
